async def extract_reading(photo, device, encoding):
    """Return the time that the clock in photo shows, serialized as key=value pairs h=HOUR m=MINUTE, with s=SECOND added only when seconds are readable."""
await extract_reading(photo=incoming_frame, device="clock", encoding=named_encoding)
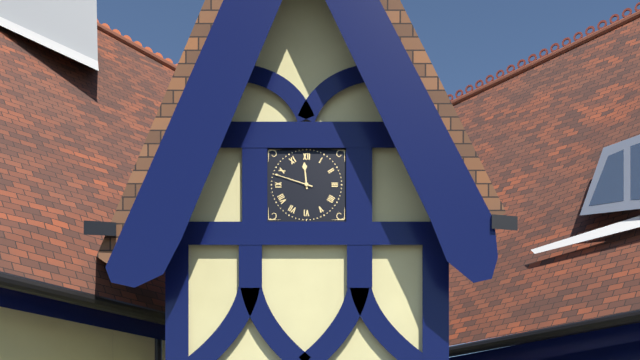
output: h=11 m=48
